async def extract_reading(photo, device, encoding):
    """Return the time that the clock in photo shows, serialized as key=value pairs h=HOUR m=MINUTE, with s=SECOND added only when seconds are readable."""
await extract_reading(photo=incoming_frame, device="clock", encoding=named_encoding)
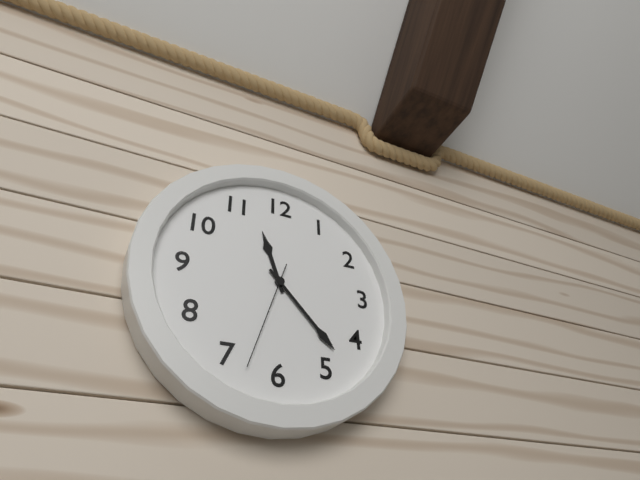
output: h=11 m=23 s=33
